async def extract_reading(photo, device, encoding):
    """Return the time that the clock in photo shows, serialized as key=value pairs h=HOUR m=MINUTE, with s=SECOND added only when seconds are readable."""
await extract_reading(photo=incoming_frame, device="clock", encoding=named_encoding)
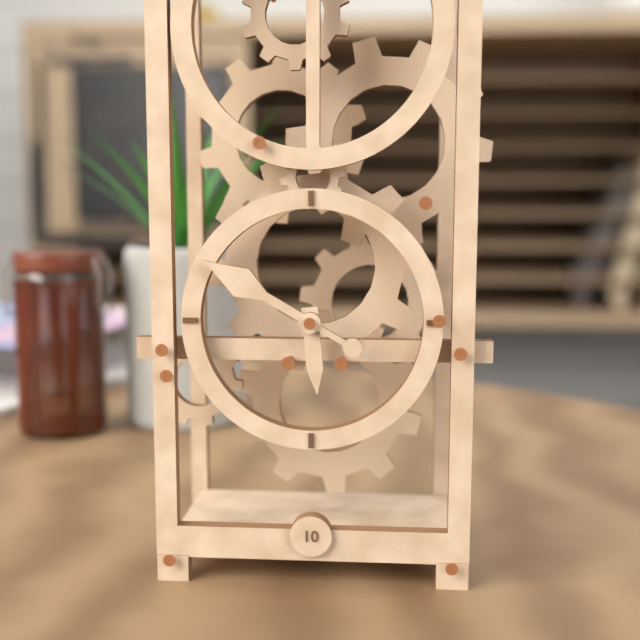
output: h=5 m=50
